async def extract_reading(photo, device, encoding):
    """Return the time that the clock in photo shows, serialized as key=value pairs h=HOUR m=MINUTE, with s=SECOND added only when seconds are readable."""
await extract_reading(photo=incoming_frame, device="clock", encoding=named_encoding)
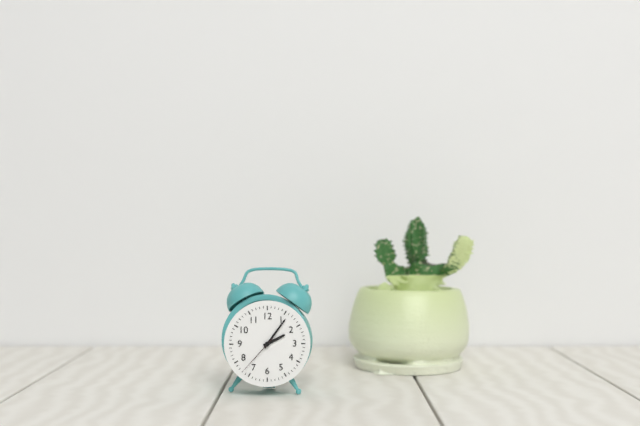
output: h=2 m=6
